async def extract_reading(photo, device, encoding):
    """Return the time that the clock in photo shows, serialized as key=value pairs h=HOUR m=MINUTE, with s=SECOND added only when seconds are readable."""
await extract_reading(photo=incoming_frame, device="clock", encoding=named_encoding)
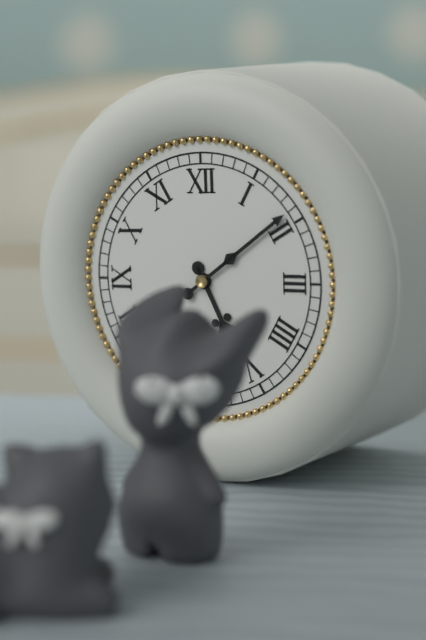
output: h=5 m=9
